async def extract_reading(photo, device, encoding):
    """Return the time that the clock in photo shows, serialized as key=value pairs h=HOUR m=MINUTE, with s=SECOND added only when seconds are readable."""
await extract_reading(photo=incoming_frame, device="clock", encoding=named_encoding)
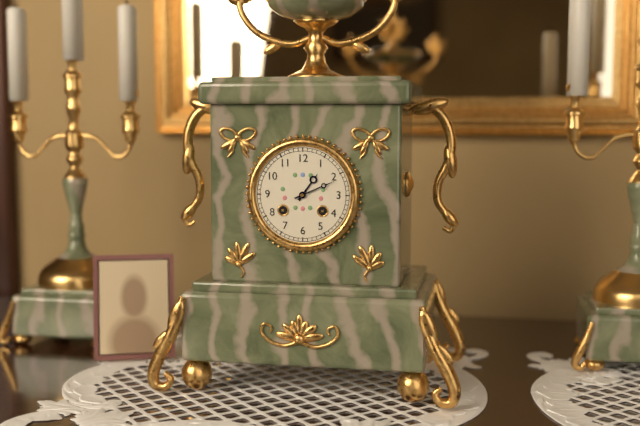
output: h=1 m=11
